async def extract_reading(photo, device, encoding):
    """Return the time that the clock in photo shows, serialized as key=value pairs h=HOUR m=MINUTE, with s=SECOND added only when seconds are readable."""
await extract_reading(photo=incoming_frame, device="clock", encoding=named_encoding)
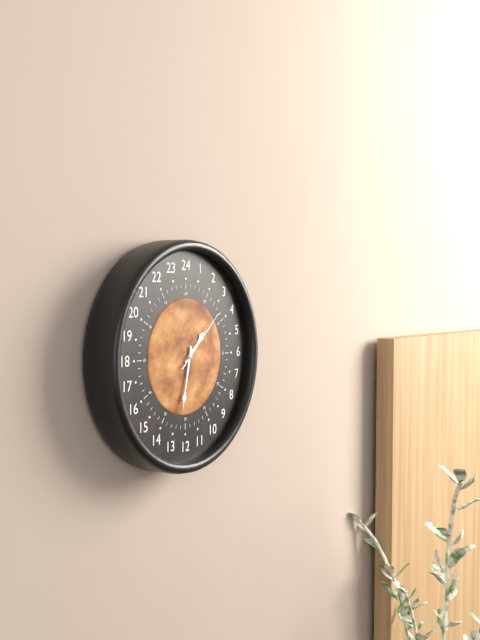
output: h=1 m=32 s=8
